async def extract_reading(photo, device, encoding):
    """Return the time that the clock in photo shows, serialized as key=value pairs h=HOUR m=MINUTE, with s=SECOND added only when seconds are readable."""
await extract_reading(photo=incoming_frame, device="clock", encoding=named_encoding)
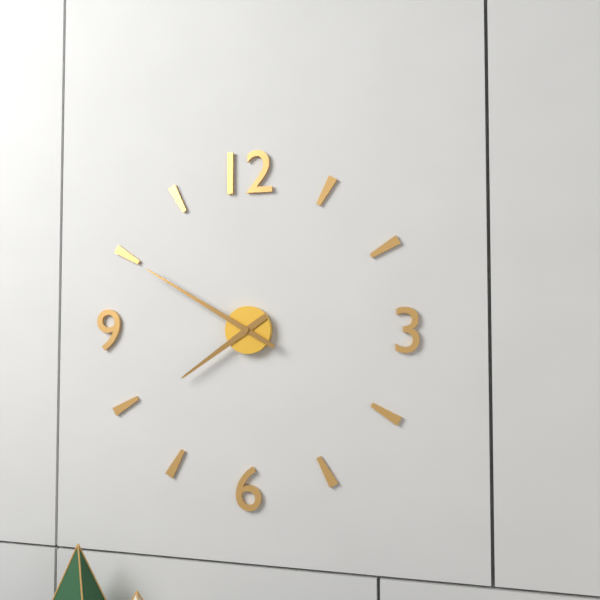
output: h=7 m=50
